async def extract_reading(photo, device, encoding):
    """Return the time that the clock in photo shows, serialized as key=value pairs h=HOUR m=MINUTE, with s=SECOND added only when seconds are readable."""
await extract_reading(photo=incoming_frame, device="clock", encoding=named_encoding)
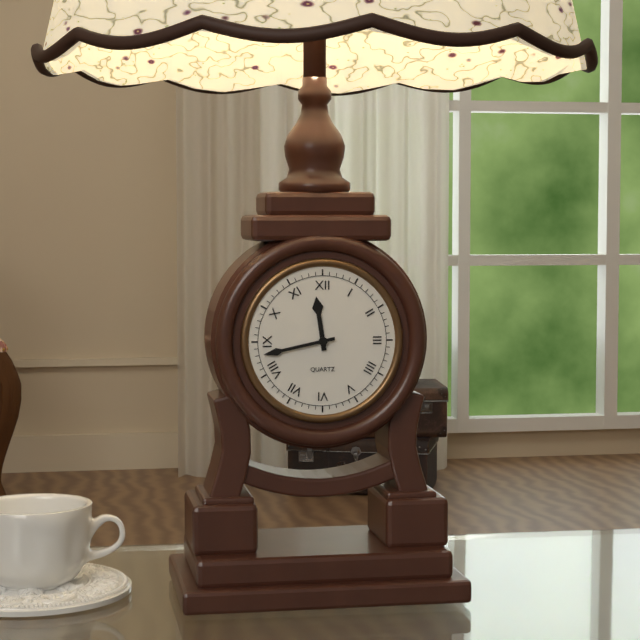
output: h=11 m=43
